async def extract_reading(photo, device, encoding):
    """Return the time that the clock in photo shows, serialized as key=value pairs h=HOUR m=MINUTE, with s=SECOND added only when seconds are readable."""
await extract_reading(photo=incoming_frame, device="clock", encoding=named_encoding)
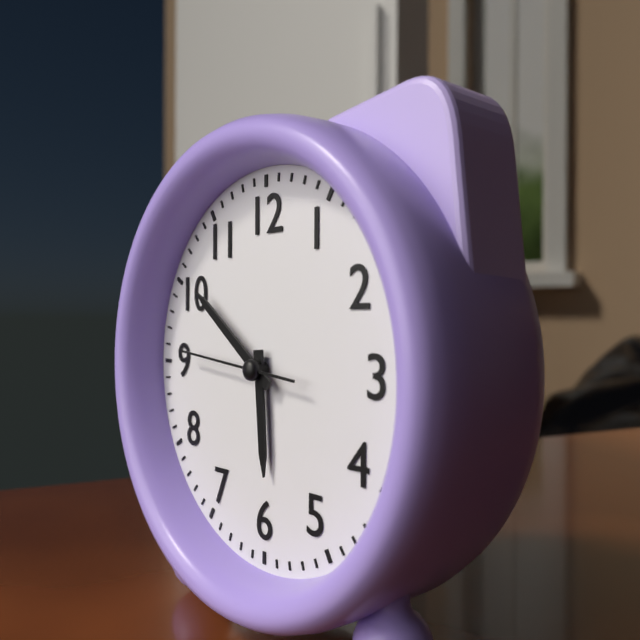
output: h=5 m=51 s=46
